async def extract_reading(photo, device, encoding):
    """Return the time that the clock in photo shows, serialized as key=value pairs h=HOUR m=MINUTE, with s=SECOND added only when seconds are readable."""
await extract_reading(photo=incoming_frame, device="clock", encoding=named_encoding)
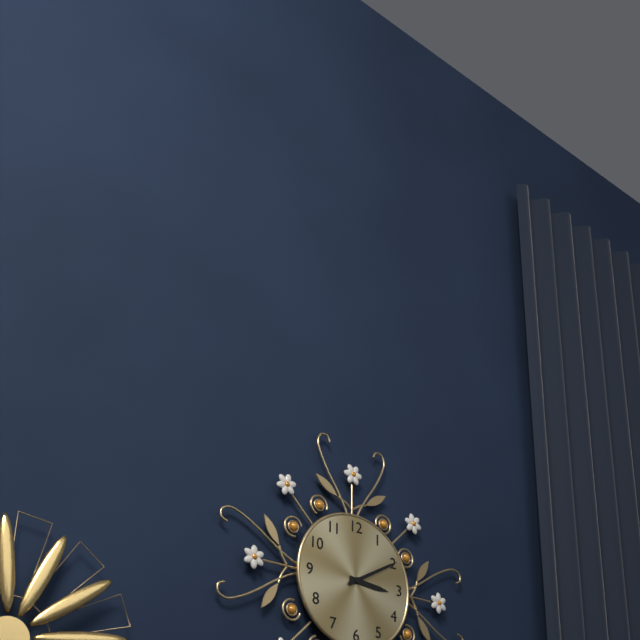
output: h=3 m=10
